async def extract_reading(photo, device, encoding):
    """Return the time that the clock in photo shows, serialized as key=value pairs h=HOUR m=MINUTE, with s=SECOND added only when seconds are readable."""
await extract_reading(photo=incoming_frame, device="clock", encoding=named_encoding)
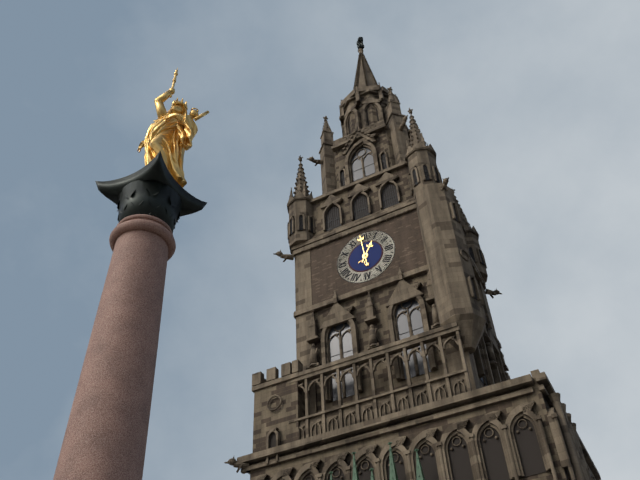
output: h=12 m=59
